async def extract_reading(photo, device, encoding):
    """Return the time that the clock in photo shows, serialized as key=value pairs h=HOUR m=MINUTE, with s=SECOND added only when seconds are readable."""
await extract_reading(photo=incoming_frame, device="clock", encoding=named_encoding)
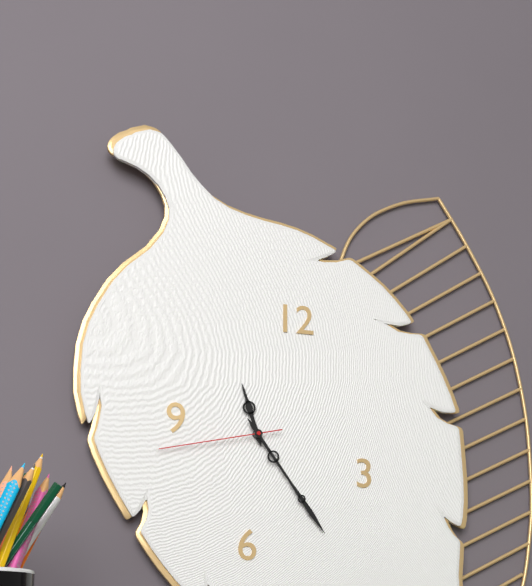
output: h=11 m=24 s=43
